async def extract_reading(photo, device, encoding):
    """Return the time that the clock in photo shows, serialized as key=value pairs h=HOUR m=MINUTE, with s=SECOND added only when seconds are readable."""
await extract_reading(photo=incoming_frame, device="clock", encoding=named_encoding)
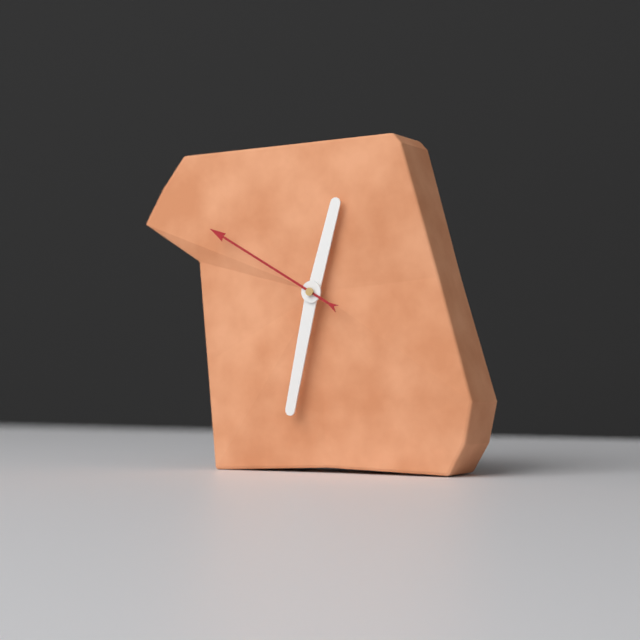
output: h=12 m=32 s=50
